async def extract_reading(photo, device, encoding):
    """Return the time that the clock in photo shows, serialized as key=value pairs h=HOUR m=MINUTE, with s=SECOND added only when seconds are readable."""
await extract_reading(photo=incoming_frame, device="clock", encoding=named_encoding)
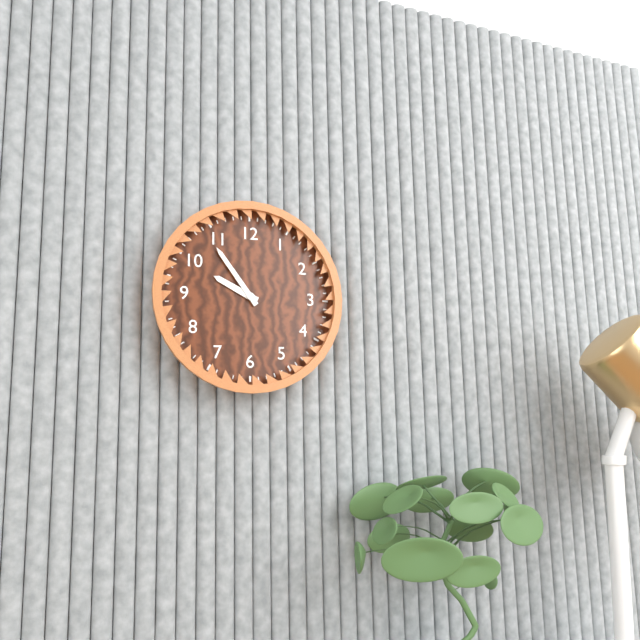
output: h=9 m=54
